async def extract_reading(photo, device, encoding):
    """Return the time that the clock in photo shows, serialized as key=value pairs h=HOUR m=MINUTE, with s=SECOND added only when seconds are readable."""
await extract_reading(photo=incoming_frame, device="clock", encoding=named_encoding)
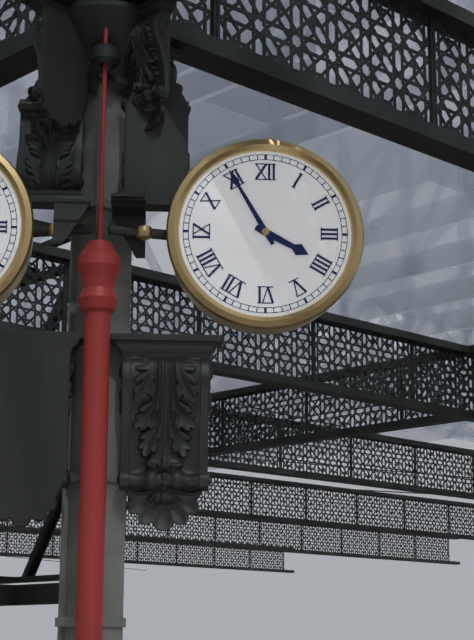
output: h=3 m=55
